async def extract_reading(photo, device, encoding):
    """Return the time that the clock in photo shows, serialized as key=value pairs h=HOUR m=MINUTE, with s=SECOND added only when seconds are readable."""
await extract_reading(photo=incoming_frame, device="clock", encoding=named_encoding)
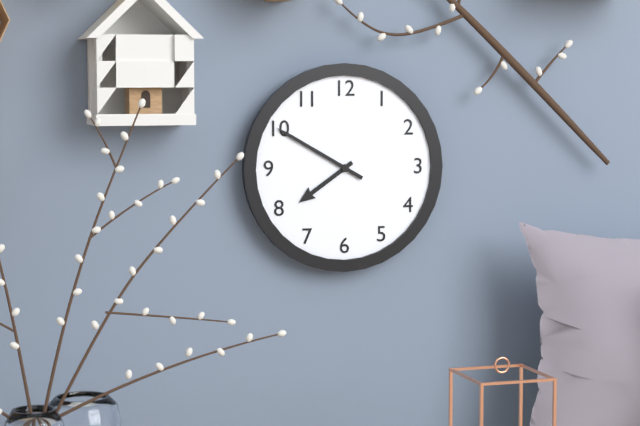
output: h=7 m=50
